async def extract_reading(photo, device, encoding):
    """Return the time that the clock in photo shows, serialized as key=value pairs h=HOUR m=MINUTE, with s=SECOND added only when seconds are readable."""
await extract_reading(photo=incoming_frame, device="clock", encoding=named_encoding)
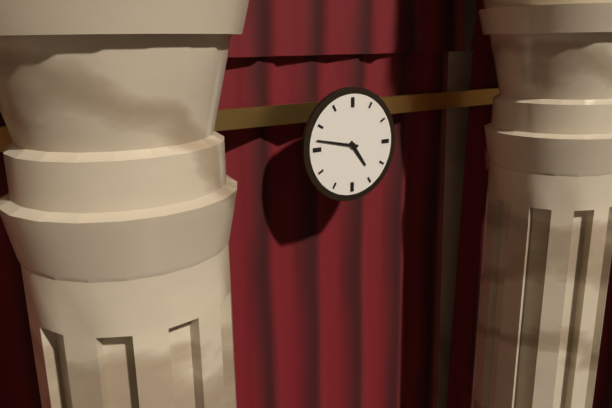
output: h=4 m=47
